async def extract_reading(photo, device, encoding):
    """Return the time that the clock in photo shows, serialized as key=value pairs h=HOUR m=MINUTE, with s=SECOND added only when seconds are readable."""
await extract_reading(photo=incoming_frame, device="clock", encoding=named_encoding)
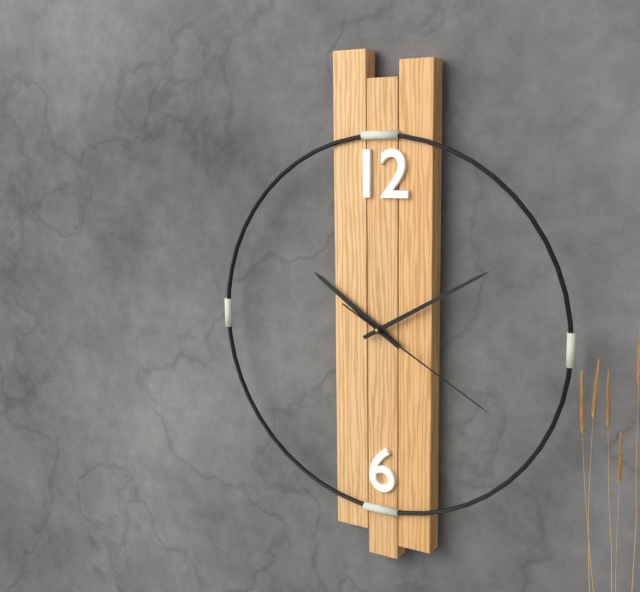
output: h=10 m=10 s=20
